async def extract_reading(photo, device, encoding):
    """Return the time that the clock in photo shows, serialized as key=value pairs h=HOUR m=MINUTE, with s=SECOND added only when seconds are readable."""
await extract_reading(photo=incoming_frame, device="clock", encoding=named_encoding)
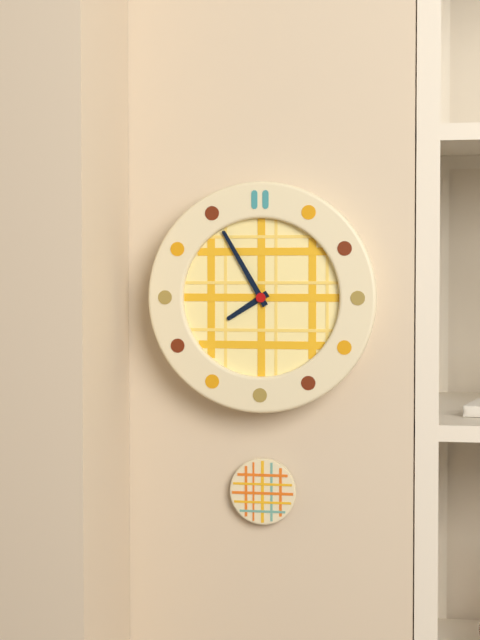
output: h=7 m=55
